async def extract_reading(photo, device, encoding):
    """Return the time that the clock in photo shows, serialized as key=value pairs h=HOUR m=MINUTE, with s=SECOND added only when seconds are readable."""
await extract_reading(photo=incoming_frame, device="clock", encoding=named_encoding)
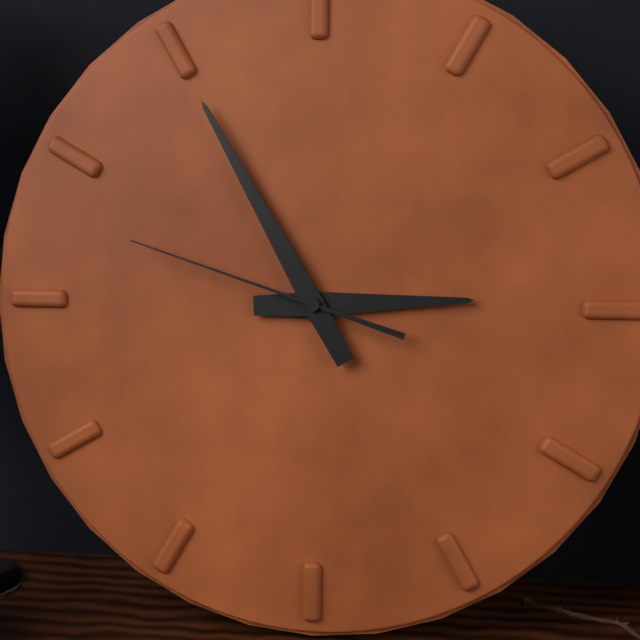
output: h=2 m=55 s=48
